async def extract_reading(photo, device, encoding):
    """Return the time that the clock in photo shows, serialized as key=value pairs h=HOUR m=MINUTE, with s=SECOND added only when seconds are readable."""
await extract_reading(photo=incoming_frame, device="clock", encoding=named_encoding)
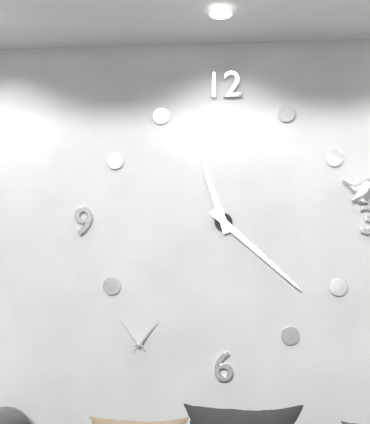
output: h=11 m=22
